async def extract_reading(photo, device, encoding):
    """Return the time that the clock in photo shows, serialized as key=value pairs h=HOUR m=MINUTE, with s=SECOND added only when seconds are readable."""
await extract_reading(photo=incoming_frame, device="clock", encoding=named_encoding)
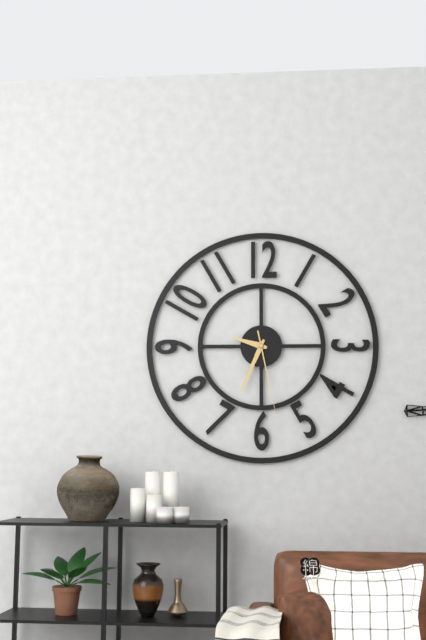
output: h=9 m=34 s=28
